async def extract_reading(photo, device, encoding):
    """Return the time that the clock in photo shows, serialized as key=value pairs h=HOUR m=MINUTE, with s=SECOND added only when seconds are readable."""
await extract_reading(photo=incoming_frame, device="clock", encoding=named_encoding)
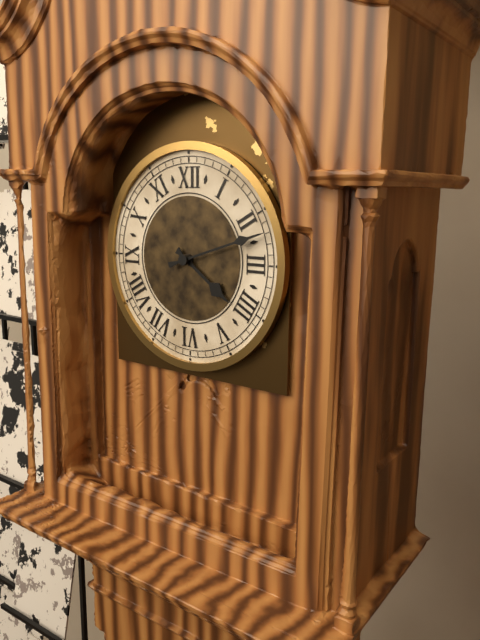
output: h=4 m=12
